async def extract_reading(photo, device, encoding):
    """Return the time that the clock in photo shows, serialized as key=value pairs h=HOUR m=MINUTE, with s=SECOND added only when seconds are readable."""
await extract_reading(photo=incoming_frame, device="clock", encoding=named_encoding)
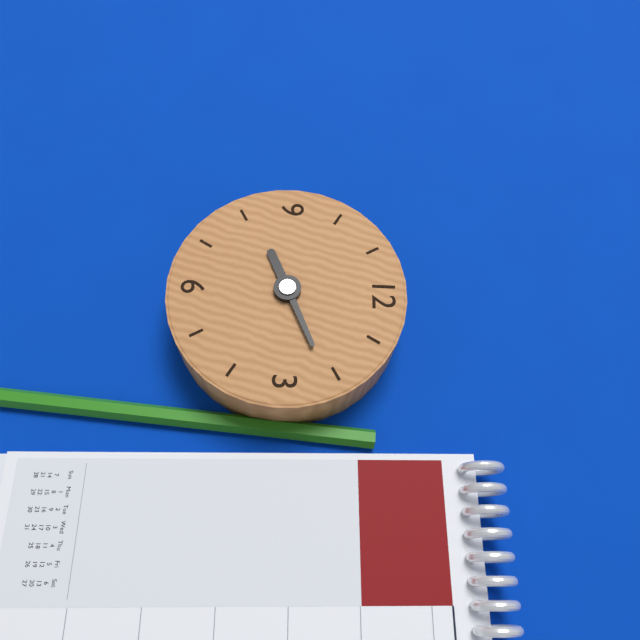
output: h=8 m=11
